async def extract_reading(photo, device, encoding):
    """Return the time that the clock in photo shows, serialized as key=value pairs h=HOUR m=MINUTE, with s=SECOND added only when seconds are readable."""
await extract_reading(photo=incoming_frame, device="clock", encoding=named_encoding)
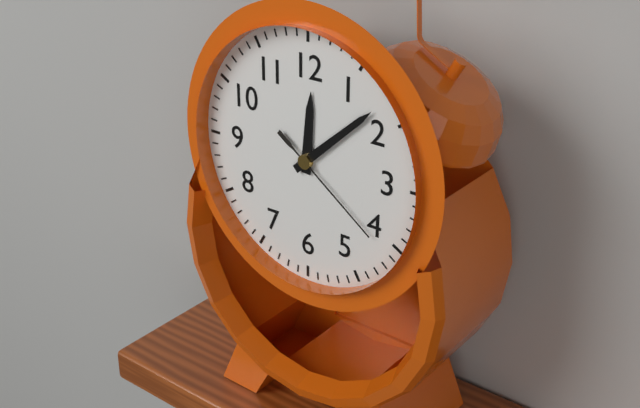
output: h=12 m=8 s=21
